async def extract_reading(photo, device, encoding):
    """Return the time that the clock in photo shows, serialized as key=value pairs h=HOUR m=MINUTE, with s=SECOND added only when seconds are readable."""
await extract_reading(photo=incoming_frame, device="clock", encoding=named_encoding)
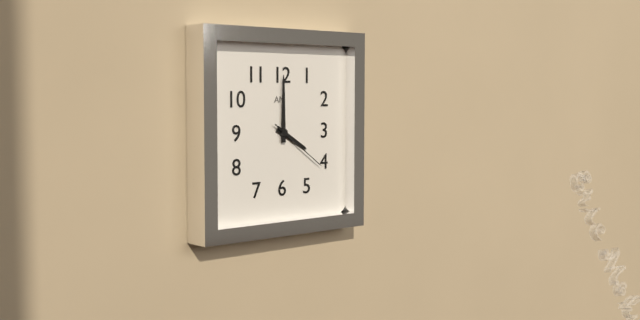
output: h=4 m=0 s=21
